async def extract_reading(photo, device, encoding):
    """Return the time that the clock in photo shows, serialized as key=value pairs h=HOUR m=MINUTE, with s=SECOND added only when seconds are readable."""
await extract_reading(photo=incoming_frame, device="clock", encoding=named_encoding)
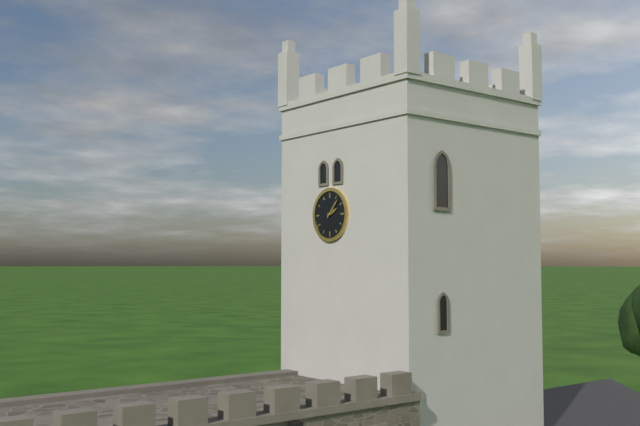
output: h=2 m=7
